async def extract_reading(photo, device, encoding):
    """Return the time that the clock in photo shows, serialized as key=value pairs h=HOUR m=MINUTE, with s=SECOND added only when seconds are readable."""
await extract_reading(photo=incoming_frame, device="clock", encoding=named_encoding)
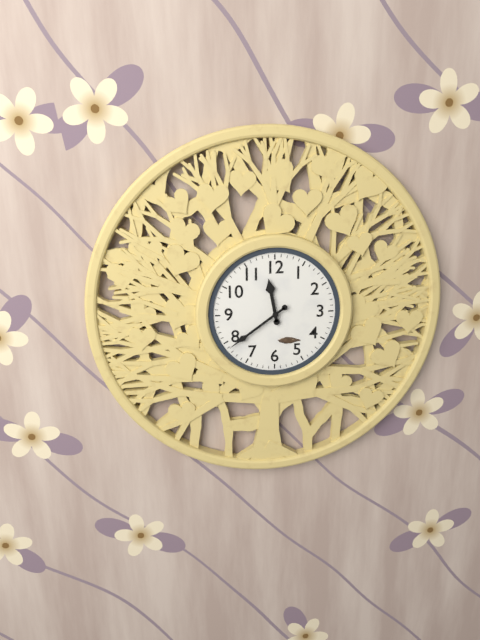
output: h=11 m=39
